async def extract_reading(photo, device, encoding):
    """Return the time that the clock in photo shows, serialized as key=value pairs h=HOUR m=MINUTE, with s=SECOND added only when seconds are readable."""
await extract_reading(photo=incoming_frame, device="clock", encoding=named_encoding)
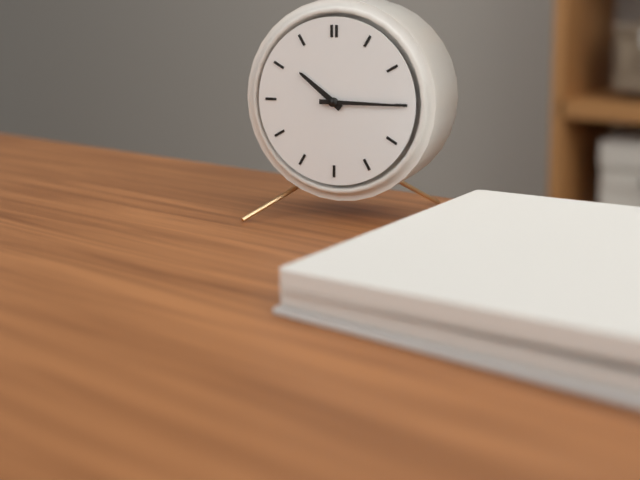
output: h=10 m=15
